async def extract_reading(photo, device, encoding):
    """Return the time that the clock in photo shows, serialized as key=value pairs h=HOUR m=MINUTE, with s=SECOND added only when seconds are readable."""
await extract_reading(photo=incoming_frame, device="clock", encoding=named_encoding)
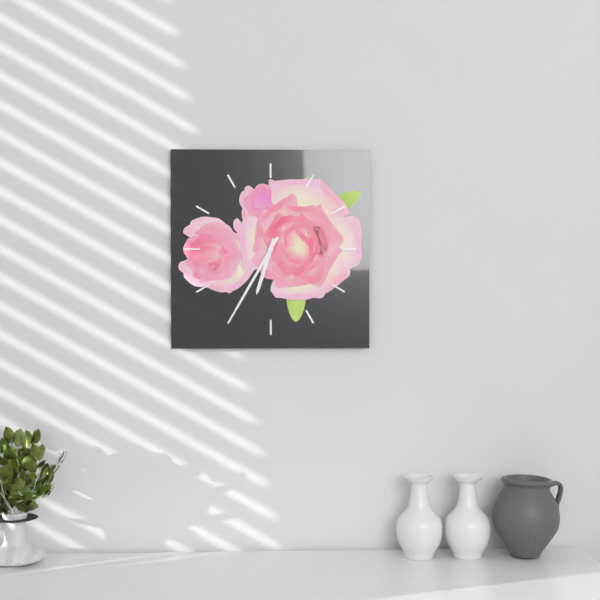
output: h=6 m=35
